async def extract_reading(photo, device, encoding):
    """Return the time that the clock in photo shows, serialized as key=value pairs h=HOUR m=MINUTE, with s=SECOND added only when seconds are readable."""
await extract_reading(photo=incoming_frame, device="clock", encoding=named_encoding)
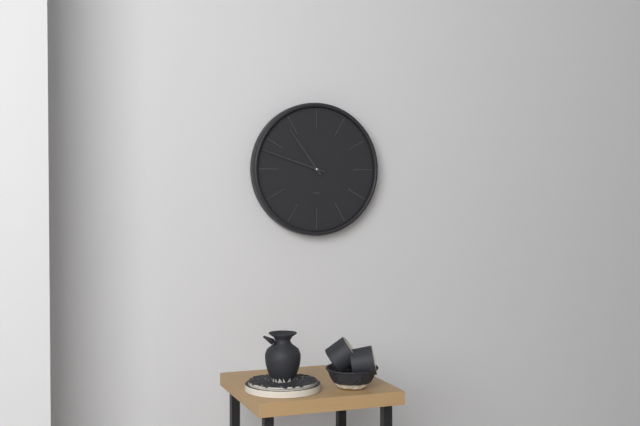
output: h=10 m=48
